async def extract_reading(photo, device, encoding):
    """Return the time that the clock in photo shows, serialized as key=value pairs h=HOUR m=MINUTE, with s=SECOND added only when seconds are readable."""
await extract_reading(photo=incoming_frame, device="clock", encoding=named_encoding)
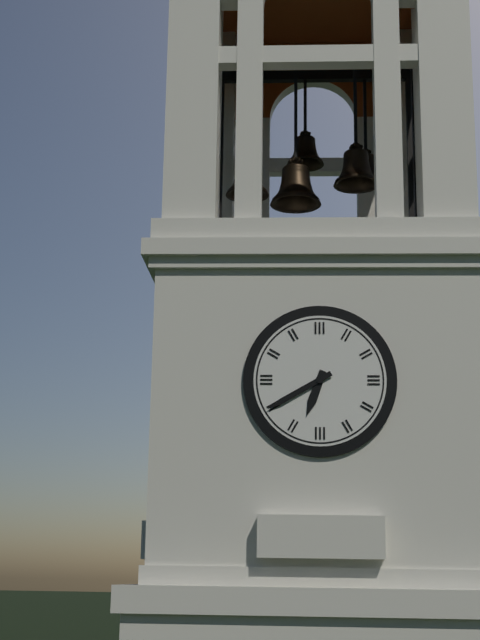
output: h=6 m=40
